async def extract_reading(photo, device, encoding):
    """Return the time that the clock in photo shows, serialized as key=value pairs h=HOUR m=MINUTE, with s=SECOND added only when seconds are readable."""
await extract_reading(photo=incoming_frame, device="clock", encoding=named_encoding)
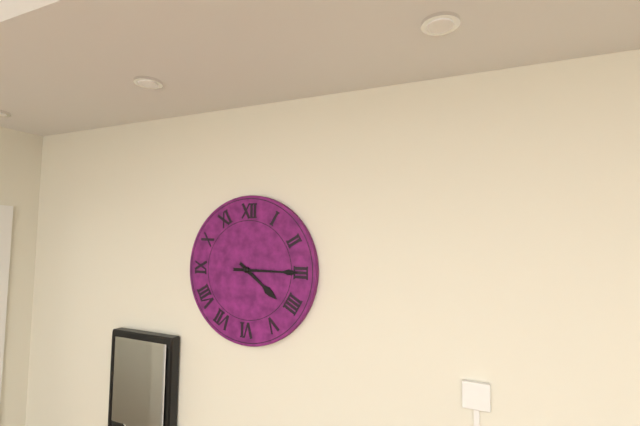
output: h=4 m=15
